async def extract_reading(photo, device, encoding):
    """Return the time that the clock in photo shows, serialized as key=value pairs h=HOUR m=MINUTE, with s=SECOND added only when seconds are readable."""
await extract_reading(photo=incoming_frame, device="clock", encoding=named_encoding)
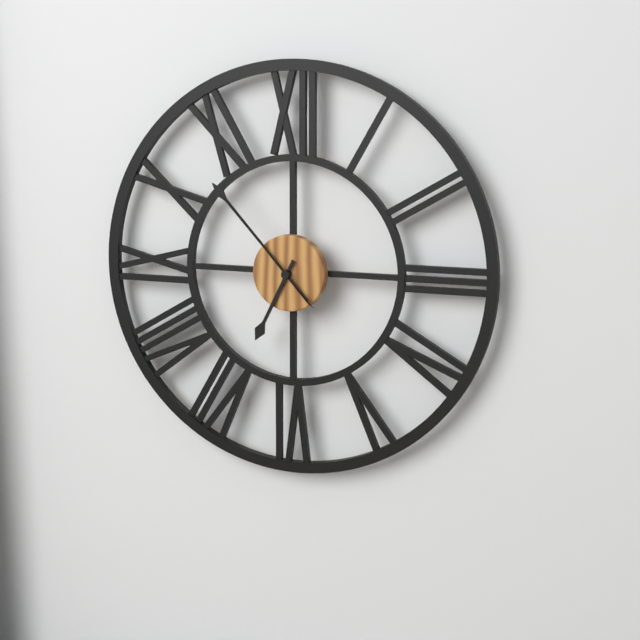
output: h=6 m=53
